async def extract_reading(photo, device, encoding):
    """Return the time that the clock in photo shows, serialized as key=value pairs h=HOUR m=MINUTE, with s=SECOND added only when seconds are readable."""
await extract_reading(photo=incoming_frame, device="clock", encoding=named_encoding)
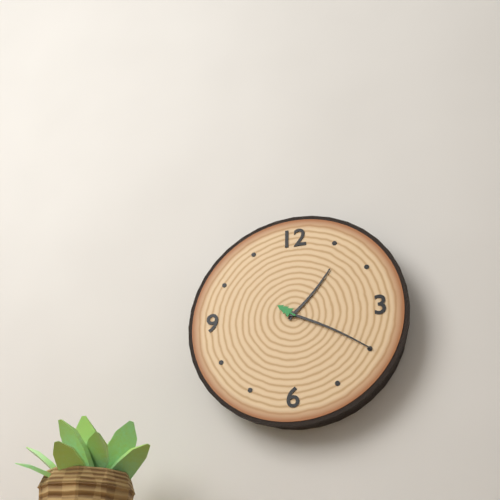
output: h=1 m=20
